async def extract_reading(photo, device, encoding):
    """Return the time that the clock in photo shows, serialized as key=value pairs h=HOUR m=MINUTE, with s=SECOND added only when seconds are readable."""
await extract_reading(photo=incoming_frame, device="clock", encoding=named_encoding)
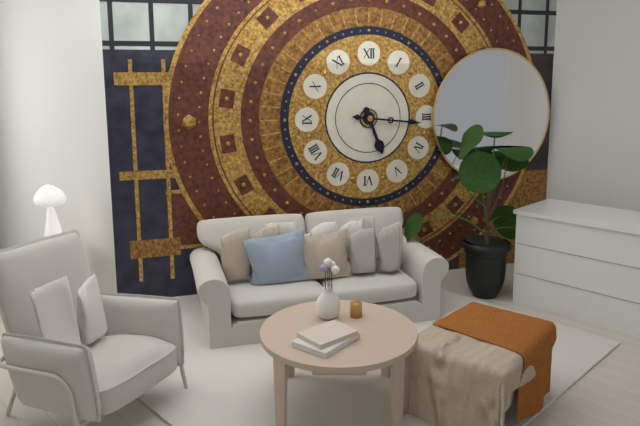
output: h=5 m=16
